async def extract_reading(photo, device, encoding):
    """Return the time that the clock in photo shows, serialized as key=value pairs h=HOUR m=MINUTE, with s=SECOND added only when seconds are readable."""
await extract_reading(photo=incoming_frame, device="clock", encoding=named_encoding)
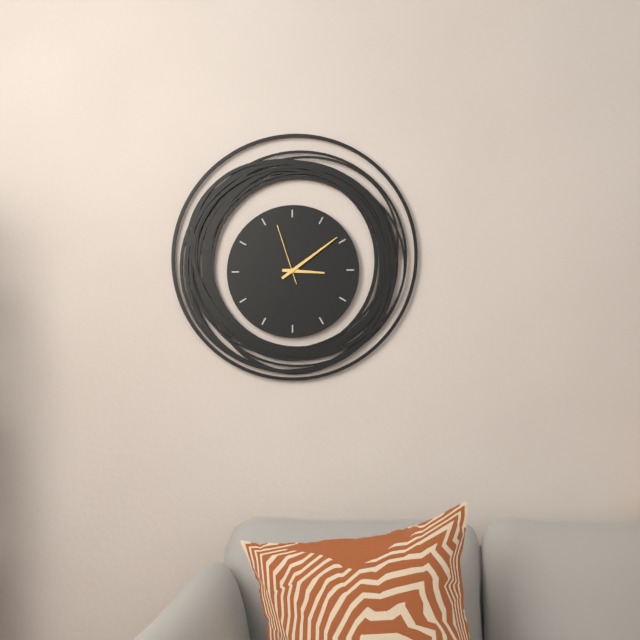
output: h=3 m=9 s=57
